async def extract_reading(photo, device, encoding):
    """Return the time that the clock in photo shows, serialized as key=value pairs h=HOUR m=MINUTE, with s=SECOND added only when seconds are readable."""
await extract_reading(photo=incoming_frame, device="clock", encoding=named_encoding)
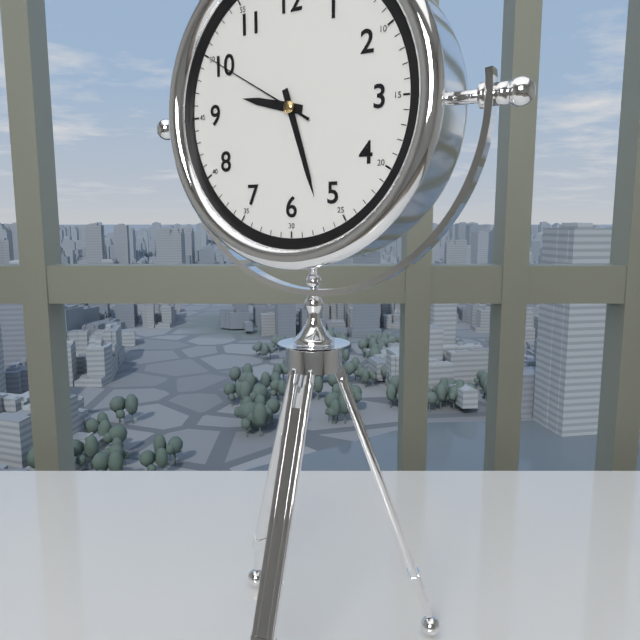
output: h=9 m=27 s=50
